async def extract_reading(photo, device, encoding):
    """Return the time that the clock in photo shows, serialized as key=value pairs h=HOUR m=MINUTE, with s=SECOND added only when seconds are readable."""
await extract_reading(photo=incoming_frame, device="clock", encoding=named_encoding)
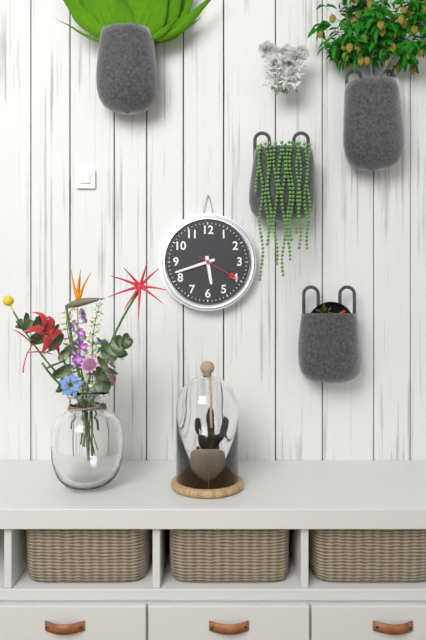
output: h=5 m=42
